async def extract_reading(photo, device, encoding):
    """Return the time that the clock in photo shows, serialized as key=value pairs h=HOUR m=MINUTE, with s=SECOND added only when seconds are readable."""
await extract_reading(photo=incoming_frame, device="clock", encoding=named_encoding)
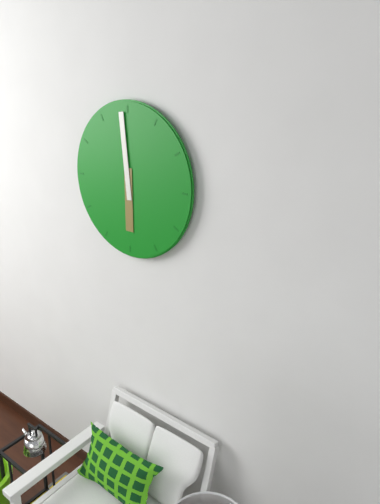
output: h=5 m=59
